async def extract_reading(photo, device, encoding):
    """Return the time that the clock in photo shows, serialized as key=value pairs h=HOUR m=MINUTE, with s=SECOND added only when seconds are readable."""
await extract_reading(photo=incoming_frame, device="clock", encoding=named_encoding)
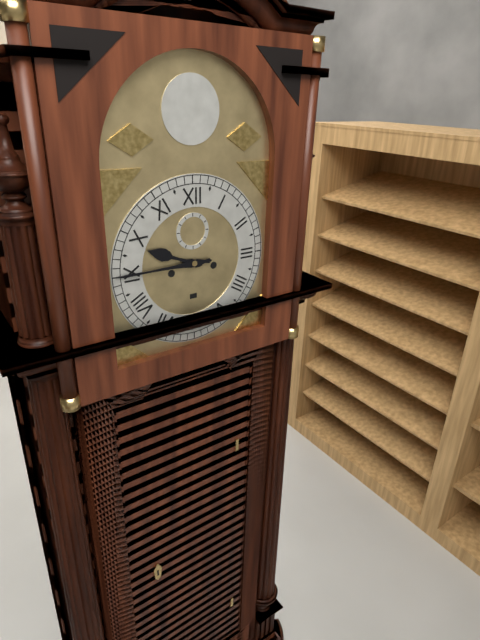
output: h=9 m=45
